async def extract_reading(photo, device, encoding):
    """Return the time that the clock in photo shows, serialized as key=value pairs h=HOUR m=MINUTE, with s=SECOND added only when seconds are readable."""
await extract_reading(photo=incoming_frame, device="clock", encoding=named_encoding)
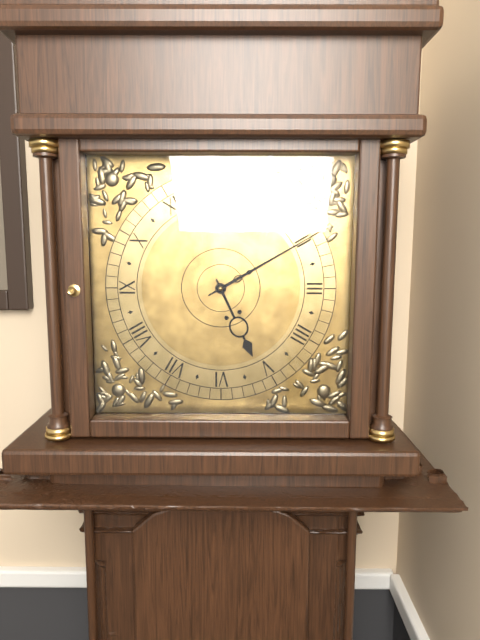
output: h=5 m=10
